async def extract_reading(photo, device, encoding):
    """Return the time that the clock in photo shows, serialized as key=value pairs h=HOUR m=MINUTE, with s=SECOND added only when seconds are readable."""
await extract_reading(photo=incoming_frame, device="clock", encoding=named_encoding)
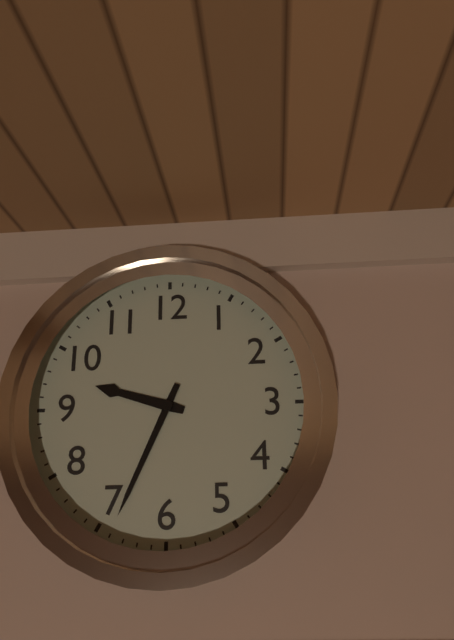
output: h=9 m=34
